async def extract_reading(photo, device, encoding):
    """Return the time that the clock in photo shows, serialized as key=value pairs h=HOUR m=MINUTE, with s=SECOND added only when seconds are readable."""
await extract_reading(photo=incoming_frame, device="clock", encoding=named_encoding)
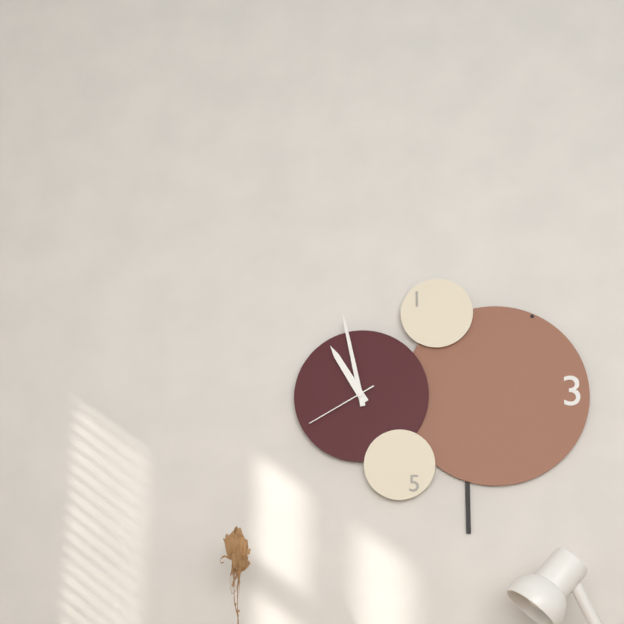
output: h=10 m=58 s=40
